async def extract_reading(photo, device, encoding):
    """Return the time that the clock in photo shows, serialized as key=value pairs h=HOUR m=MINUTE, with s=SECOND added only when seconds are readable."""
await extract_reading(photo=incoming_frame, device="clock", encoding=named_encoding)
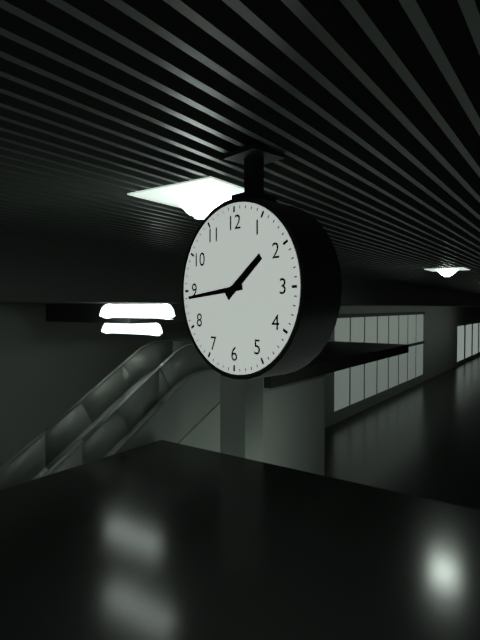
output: h=1 m=44
